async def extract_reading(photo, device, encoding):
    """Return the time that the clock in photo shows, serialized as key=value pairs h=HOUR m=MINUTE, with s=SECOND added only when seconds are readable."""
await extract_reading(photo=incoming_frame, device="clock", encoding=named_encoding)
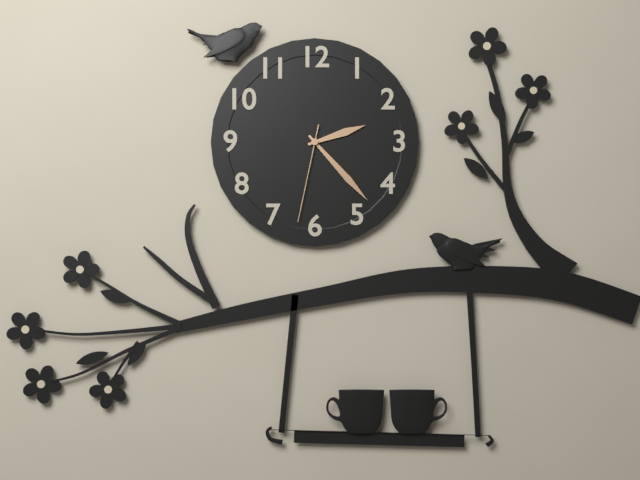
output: h=2 m=23 s=32
